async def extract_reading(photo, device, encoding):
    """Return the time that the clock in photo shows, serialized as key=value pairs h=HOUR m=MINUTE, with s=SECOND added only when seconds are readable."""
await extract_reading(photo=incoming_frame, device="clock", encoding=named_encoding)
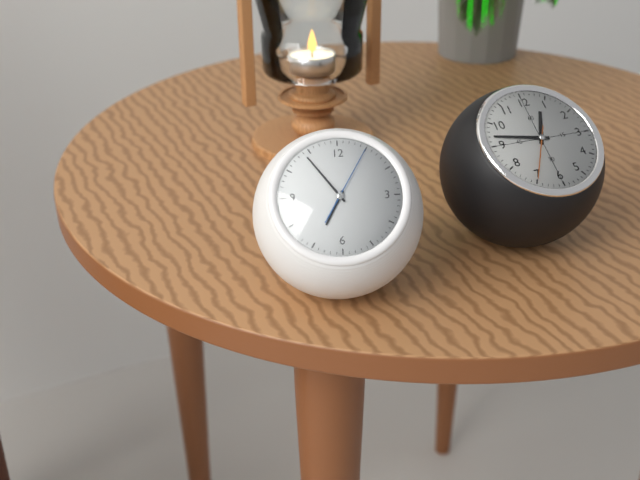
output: h=6 m=54 s=5
